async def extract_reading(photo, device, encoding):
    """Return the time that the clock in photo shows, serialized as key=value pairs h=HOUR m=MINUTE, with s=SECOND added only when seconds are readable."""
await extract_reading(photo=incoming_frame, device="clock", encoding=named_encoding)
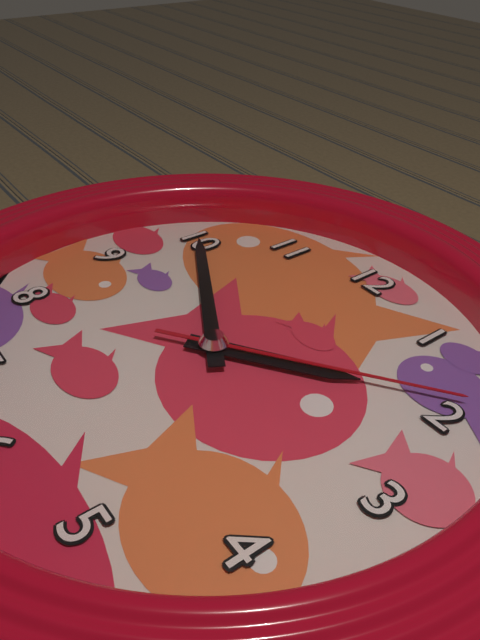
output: h=1 m=50 s=9
